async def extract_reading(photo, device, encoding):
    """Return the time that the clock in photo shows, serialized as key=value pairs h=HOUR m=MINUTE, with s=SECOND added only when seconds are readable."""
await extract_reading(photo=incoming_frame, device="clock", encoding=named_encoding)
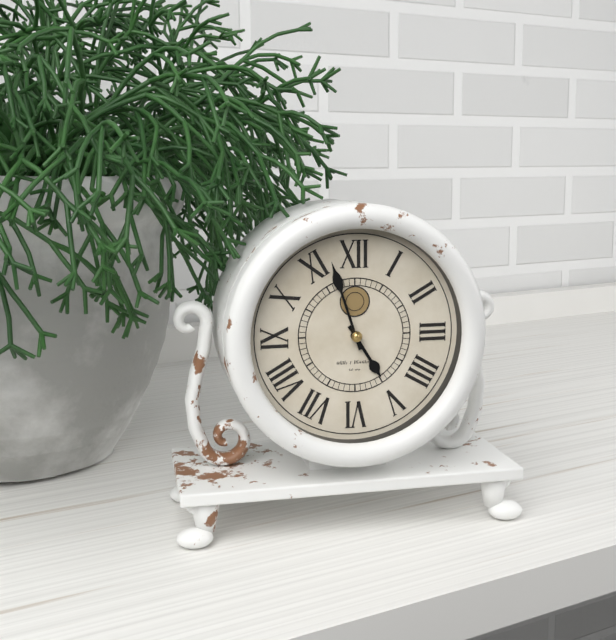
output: h=4 m=57
